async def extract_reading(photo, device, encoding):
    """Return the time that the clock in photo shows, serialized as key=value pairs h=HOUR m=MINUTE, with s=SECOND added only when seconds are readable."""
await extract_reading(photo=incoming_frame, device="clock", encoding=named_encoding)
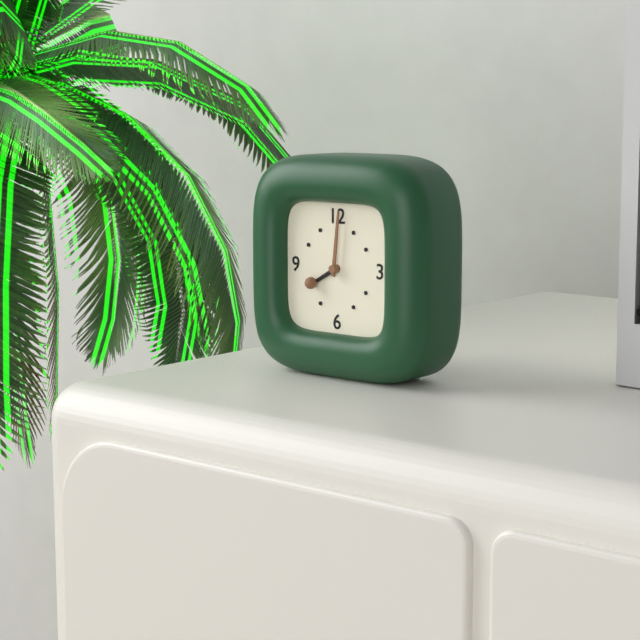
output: h=8 m=1
